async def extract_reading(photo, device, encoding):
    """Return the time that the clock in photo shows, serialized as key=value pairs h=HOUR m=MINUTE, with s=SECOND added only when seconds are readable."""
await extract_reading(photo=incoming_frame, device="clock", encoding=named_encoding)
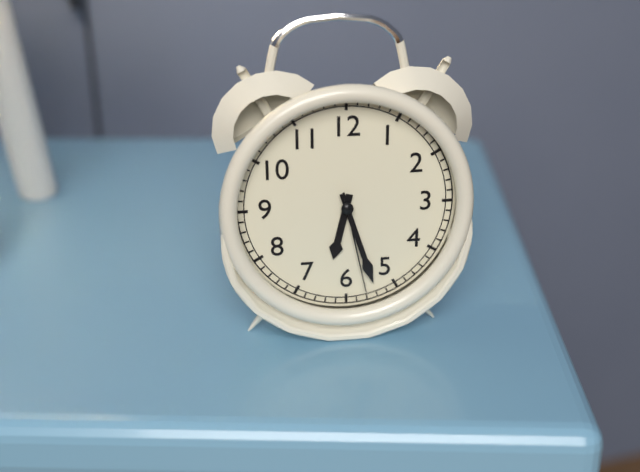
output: h=6 m=27 s=28
